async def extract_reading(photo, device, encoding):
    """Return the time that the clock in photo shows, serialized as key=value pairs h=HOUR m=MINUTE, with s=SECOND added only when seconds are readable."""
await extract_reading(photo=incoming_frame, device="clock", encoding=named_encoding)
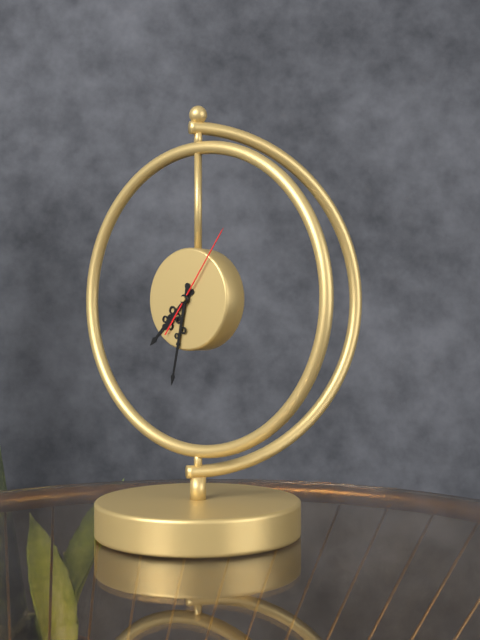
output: h=7 m=32 s=6
